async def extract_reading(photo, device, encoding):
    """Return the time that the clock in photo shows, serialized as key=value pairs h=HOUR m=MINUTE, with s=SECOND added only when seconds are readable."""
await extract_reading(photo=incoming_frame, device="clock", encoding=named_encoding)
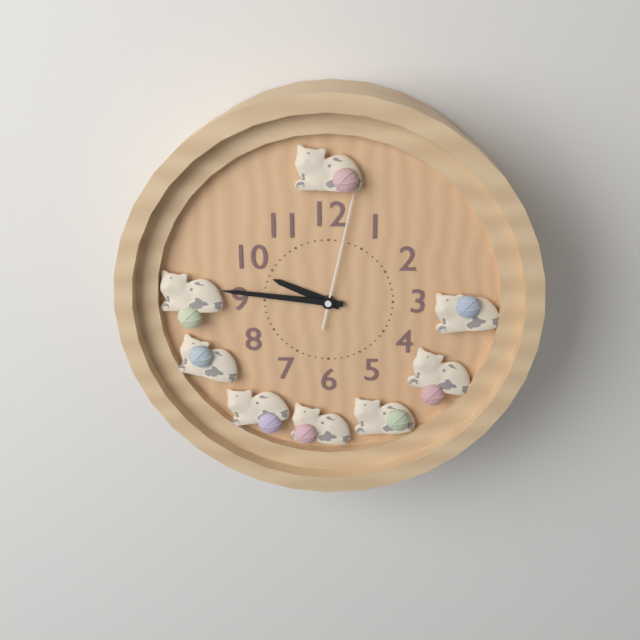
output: h=9 m=46 s=2
